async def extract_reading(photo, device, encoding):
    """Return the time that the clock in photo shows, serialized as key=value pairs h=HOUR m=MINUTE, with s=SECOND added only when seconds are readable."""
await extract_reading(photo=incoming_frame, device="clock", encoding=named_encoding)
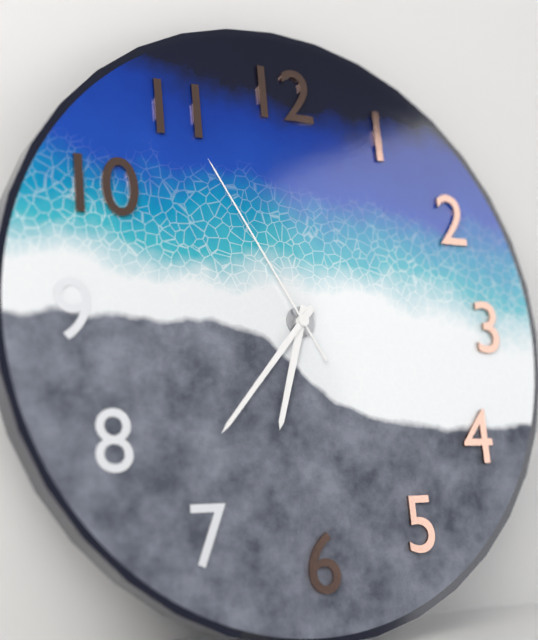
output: h=6 m=37 s=55
